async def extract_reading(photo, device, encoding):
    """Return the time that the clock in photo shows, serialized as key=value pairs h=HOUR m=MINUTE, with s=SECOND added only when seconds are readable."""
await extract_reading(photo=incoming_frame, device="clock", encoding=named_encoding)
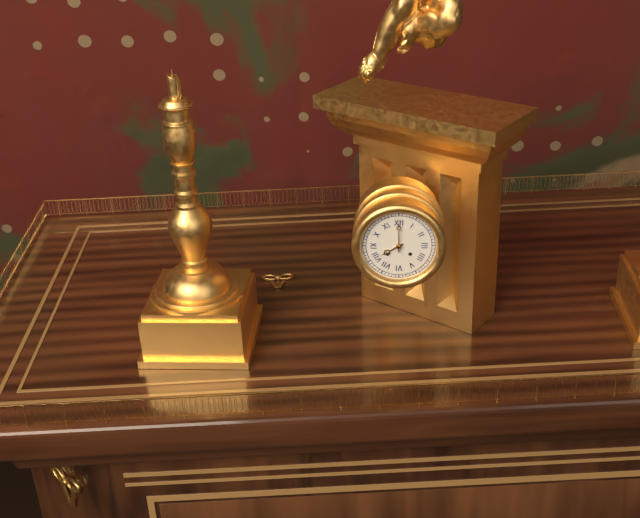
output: h=8 m=0
